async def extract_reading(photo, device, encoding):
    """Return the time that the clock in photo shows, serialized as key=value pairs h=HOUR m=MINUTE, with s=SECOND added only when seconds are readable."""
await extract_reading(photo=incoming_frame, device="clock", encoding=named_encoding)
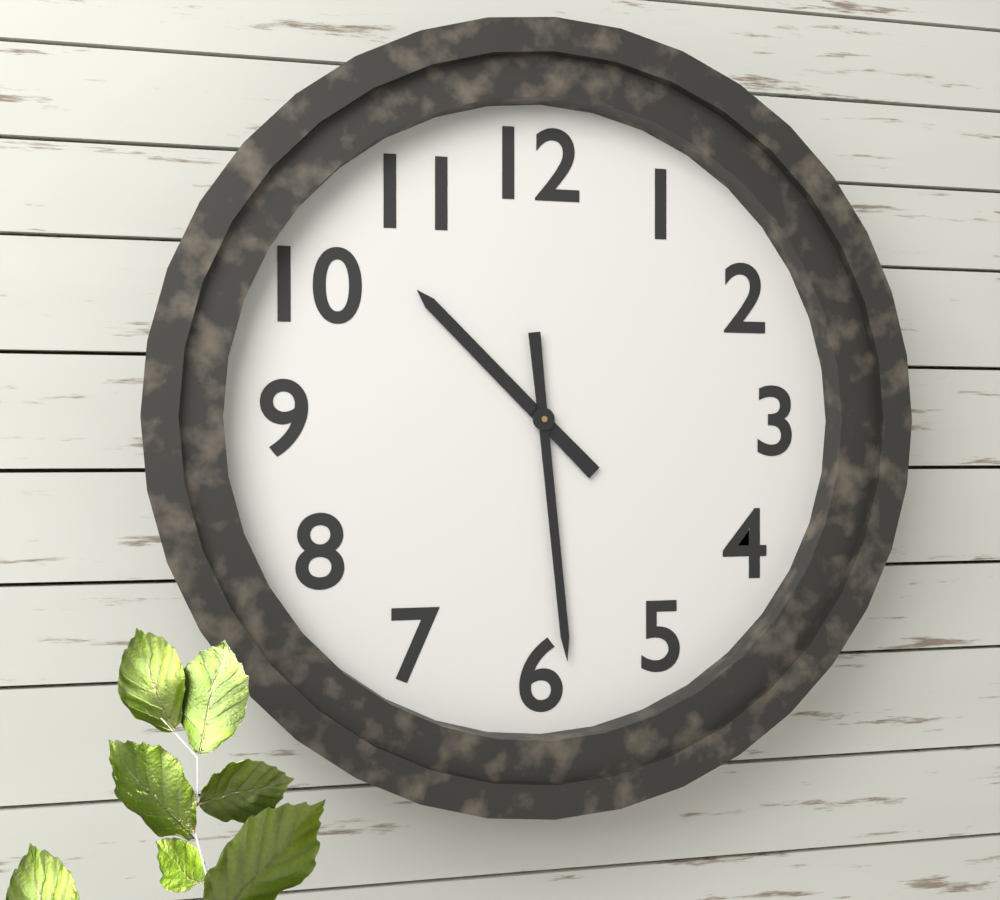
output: h=10 m=29
